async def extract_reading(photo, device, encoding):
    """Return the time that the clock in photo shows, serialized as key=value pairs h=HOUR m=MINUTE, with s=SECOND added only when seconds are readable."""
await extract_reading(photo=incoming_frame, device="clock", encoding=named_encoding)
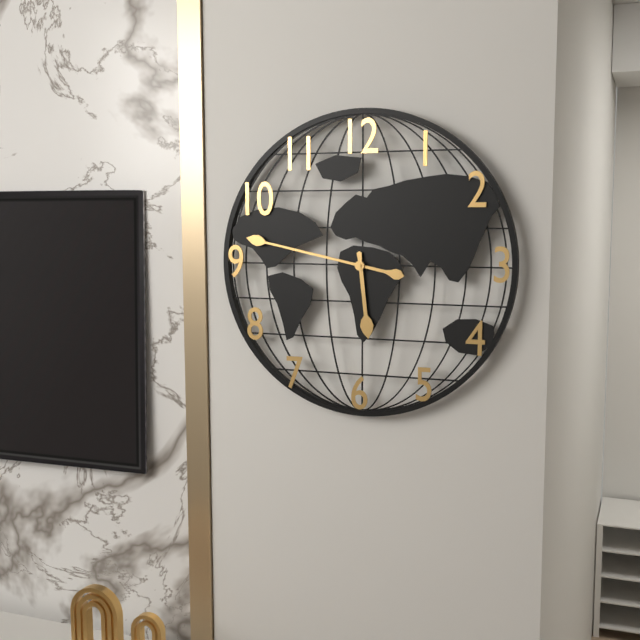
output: h=5 m=47
